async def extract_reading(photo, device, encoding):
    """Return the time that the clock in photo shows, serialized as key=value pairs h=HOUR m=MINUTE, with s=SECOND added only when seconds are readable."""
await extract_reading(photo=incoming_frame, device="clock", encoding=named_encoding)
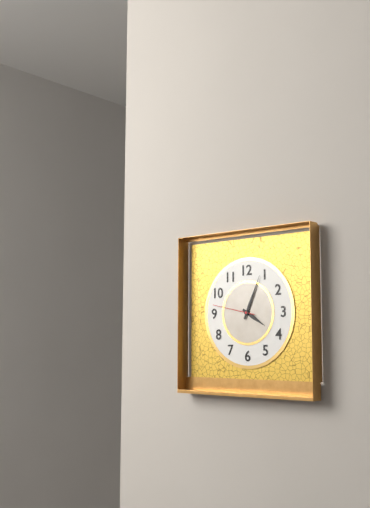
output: h=4 m=4
